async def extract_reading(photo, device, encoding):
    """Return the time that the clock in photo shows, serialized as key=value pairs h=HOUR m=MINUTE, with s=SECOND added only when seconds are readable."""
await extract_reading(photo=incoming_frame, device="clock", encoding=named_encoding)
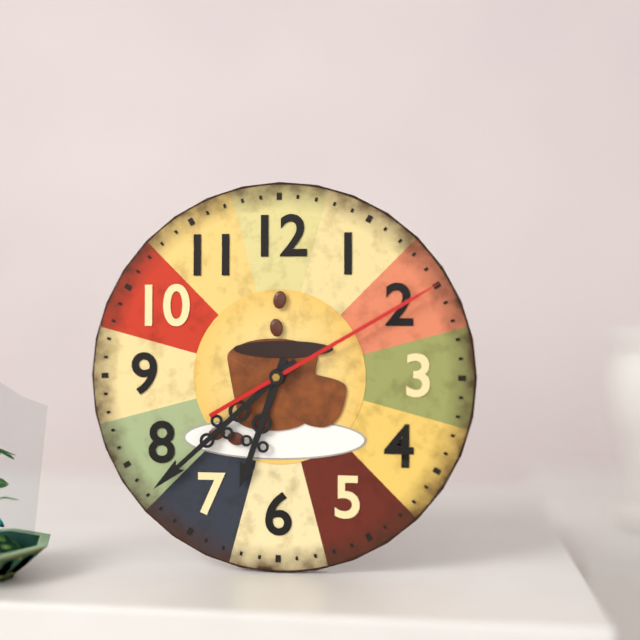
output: h=6 m=38 s=10
